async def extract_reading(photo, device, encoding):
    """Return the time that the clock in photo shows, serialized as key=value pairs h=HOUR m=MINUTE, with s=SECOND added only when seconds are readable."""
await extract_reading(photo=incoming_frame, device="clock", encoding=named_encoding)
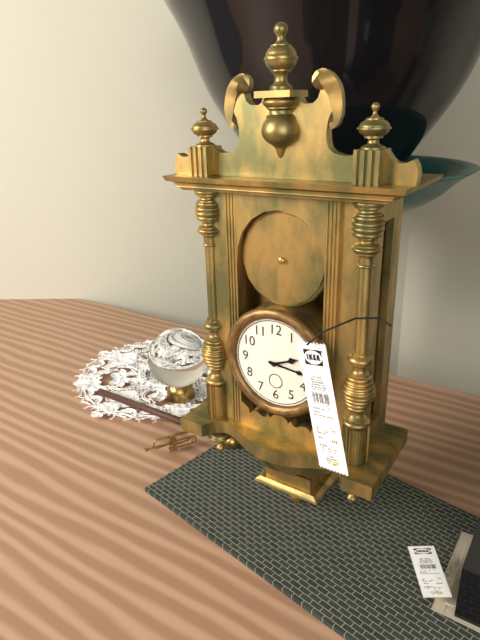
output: h=2 m=16
